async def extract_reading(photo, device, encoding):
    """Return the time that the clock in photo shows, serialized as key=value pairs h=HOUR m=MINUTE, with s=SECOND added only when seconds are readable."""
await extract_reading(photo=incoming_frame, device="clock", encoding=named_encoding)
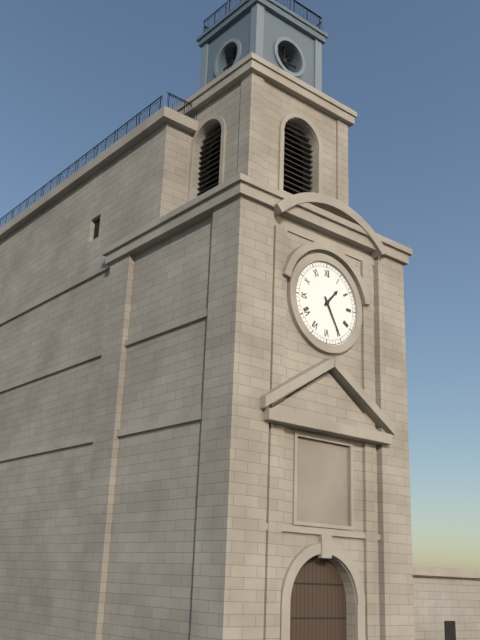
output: h=1 m=25
